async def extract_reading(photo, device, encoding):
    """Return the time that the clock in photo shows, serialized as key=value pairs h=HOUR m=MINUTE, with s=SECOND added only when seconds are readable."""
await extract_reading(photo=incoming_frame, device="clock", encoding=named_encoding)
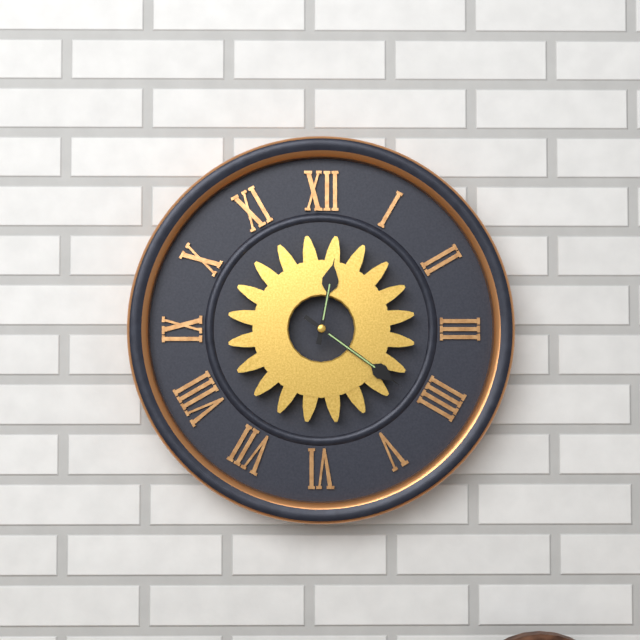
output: h=12 m=21
